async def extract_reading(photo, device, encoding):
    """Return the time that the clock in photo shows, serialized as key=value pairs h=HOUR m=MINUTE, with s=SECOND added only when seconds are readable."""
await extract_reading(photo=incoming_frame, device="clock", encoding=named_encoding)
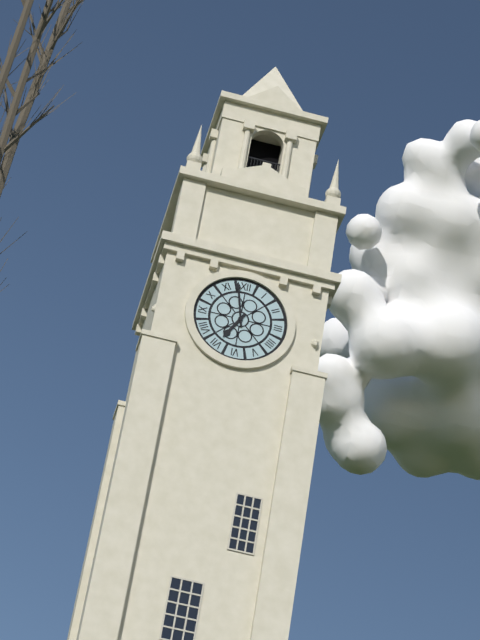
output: h=6 m=58
